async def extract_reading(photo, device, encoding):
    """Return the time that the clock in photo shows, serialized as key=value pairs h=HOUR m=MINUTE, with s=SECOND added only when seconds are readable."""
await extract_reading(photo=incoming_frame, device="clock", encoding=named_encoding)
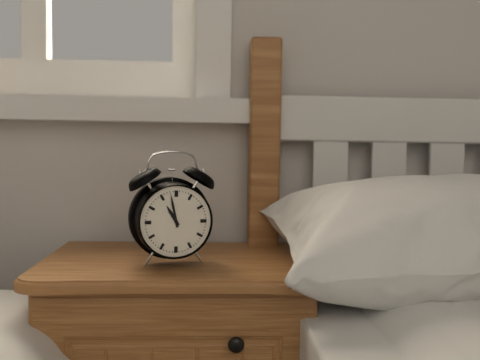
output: h=10 m=58
